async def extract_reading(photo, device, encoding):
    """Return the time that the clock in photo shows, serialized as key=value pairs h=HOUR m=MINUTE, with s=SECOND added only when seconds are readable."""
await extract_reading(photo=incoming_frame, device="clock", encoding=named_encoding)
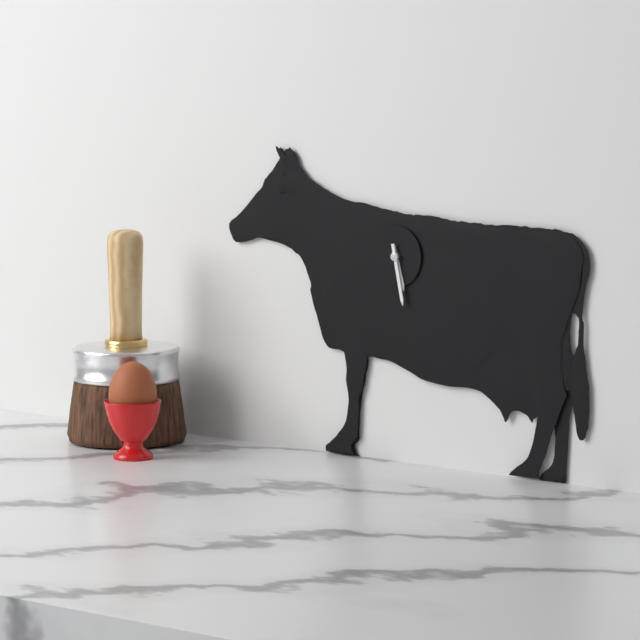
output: h=5 m=28
